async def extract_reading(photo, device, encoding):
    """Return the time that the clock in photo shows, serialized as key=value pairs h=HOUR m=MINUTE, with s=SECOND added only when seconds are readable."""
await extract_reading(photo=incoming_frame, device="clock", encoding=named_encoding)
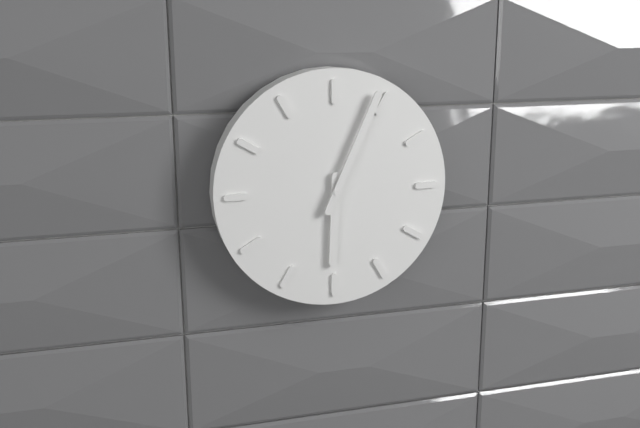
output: h=6 m=4
